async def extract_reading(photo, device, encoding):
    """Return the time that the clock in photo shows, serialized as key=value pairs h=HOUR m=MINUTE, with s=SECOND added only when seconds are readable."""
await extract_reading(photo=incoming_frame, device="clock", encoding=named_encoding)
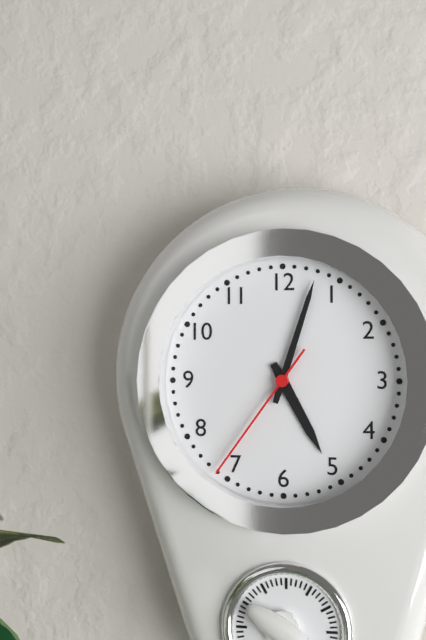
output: h=5 m=3 s=36
